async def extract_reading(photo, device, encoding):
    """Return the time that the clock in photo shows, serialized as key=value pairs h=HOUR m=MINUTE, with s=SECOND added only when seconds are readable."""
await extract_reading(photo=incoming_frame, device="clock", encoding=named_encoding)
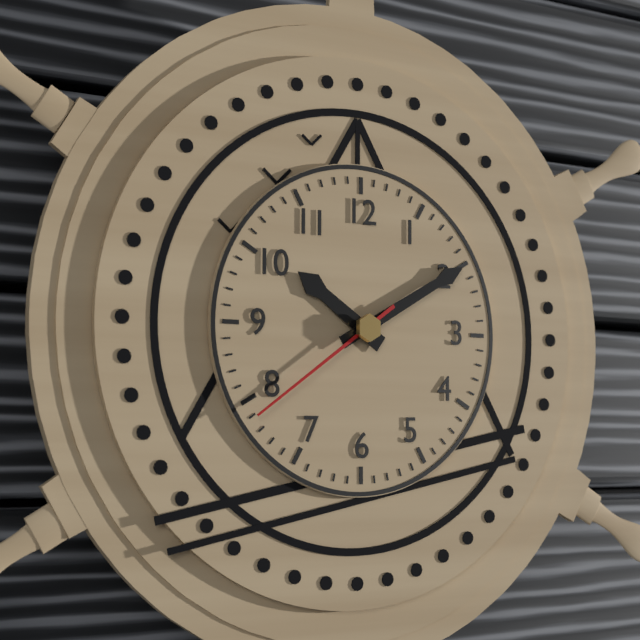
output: h=10 m=10 s=39
